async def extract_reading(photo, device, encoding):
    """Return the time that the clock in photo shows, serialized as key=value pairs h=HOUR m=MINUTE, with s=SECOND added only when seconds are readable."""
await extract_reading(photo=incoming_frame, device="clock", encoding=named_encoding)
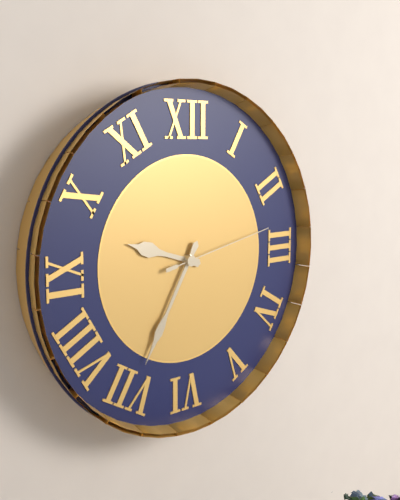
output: h=9 m=35 s=13
